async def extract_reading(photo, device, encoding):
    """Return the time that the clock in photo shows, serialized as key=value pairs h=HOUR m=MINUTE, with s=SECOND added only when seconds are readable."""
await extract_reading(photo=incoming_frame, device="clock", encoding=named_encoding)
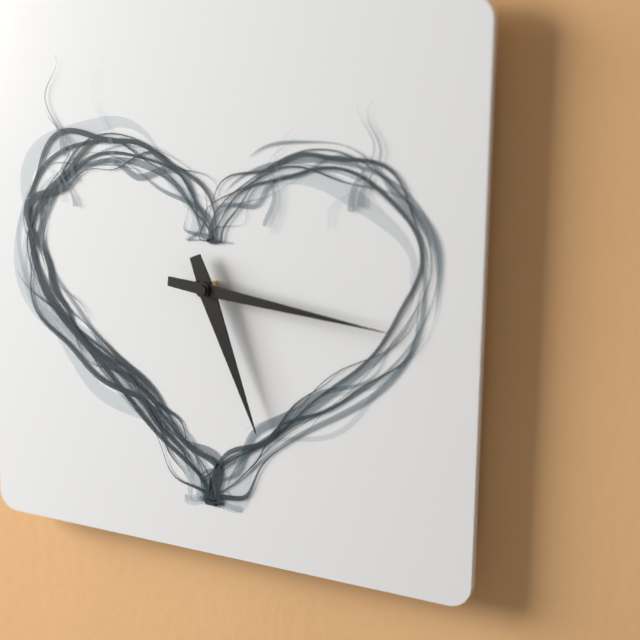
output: h=5 m=16
